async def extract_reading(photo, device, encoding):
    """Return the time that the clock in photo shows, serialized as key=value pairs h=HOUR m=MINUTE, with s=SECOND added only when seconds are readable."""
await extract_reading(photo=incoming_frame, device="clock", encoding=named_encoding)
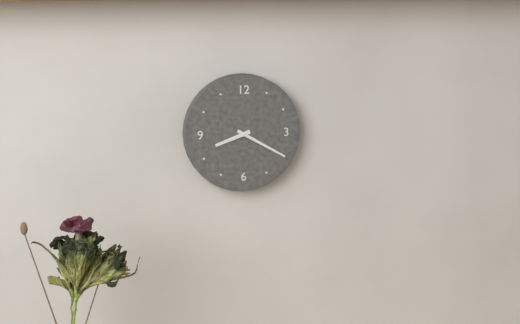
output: h=8 m=20
